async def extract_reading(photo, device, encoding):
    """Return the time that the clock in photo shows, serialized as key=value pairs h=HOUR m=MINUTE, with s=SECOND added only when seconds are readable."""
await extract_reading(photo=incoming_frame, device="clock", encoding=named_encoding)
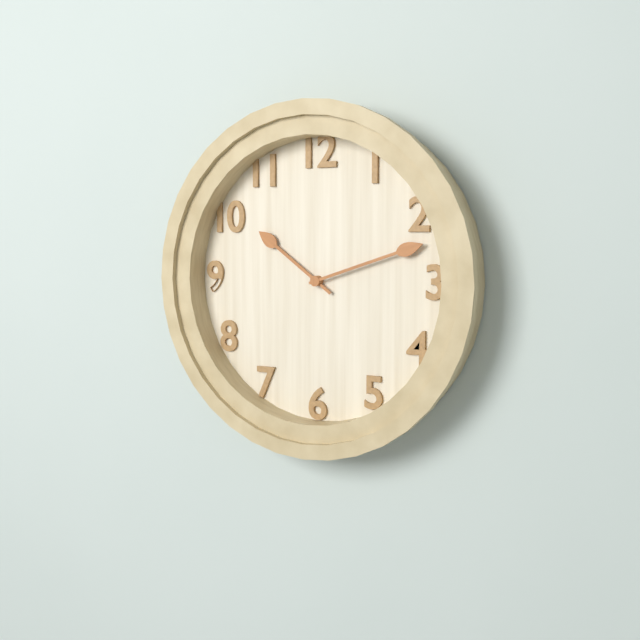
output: h=10 m=12
